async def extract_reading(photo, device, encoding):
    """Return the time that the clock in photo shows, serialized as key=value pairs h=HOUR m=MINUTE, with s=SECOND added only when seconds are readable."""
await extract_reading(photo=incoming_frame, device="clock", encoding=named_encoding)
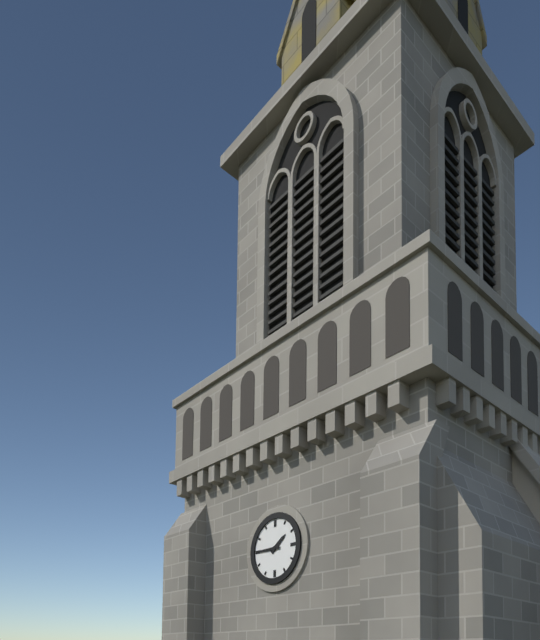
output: h=1 m=45
